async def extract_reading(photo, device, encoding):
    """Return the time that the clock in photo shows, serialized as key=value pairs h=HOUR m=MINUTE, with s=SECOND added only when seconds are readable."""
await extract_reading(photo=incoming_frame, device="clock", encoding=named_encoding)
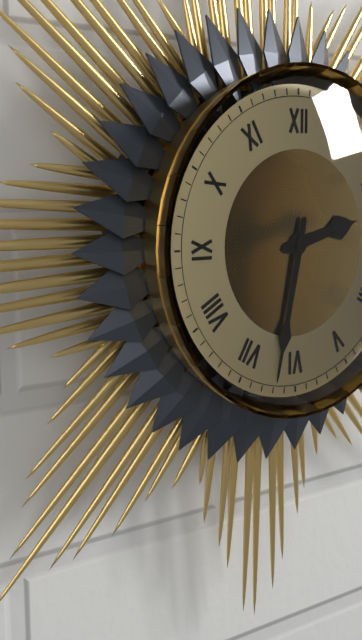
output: h=2 m=32
